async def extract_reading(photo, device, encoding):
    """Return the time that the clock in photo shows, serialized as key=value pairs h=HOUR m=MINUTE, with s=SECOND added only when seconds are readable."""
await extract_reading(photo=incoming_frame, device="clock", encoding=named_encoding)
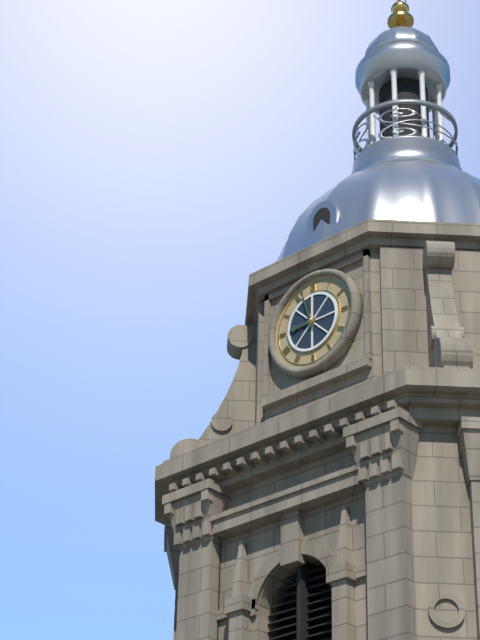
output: h=8 m=57
